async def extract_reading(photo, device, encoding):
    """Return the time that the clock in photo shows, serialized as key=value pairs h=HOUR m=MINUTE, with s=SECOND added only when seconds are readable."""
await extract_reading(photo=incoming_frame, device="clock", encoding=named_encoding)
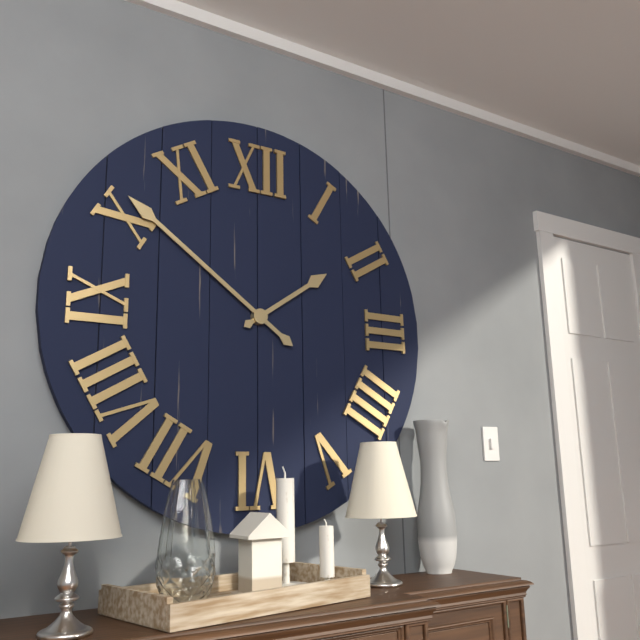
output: h=1 m=51
